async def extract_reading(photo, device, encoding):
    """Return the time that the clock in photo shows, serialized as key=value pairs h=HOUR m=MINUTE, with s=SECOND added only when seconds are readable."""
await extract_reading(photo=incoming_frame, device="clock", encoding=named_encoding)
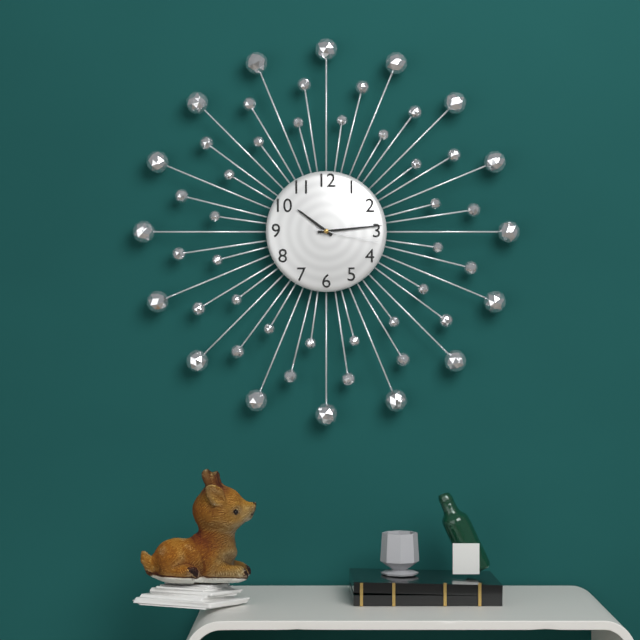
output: h=10 m=14 s=17
